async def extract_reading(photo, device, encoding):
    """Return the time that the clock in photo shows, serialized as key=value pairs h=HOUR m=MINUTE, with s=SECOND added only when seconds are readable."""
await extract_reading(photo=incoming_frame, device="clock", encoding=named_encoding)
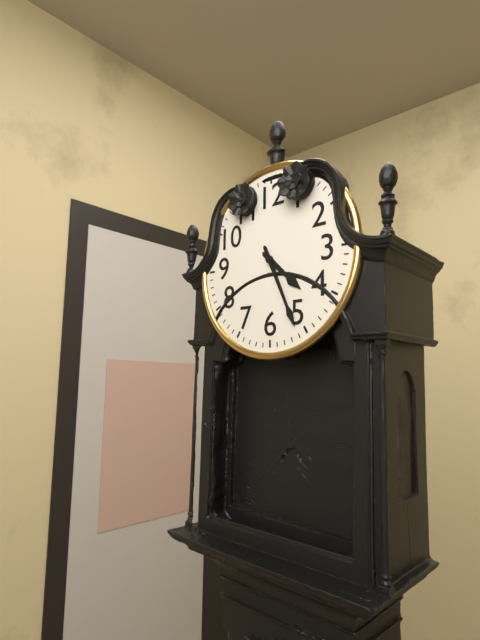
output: h=4 m=26
